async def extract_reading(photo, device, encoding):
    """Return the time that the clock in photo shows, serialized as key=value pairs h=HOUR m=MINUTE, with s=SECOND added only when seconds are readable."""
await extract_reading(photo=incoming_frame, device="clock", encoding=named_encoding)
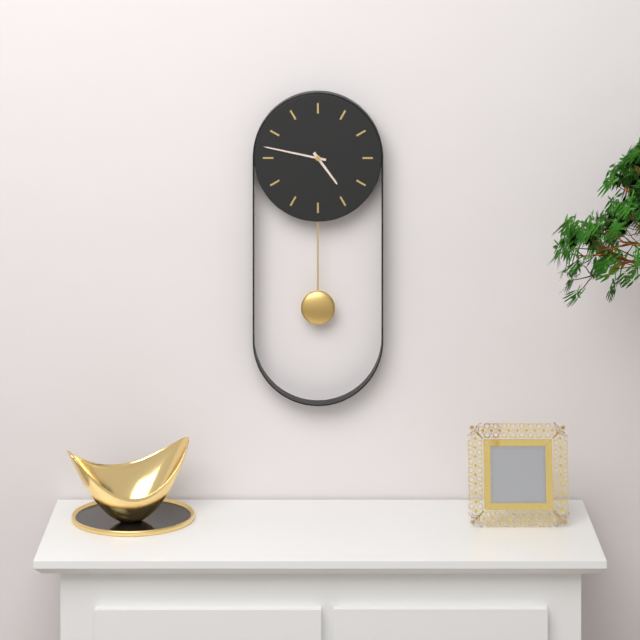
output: h=4 m=47
